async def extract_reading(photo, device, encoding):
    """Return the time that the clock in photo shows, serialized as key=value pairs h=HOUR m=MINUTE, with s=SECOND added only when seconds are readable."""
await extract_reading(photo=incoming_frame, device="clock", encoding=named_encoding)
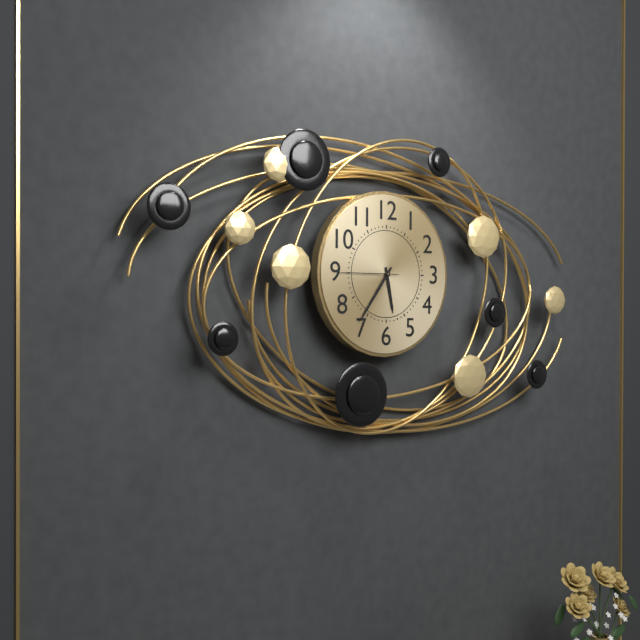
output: h=5 m=36 s=45
